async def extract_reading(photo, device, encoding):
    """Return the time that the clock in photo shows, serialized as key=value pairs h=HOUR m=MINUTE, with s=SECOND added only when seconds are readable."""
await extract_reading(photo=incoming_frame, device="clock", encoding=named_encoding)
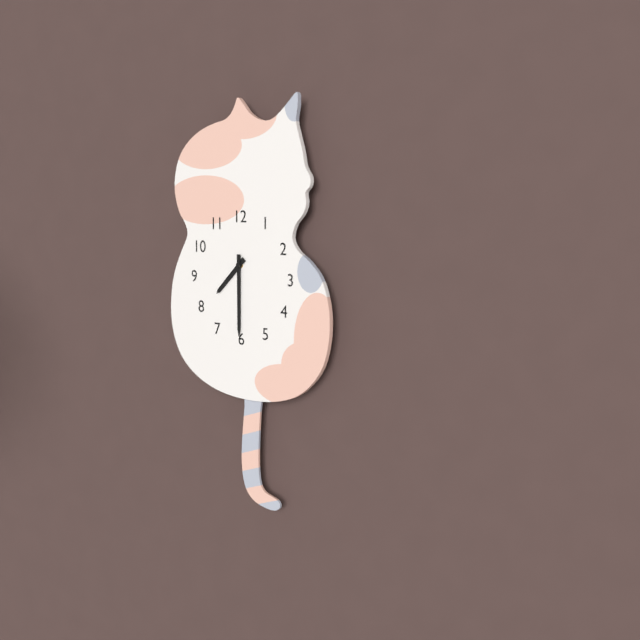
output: h=7 m=30
